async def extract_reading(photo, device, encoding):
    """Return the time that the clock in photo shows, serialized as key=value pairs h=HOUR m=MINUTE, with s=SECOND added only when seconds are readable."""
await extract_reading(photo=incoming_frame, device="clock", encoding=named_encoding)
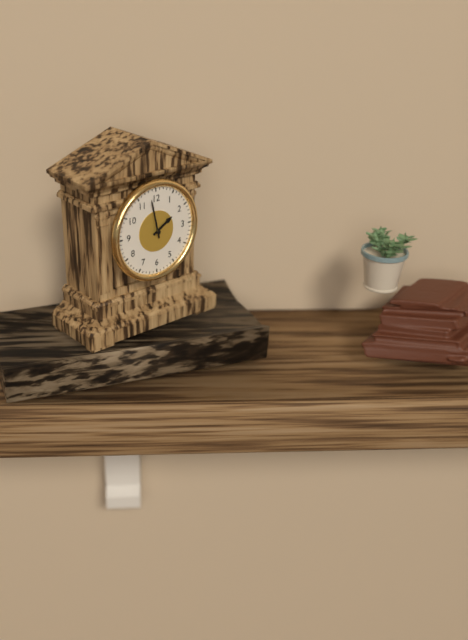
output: h=1 m=58
